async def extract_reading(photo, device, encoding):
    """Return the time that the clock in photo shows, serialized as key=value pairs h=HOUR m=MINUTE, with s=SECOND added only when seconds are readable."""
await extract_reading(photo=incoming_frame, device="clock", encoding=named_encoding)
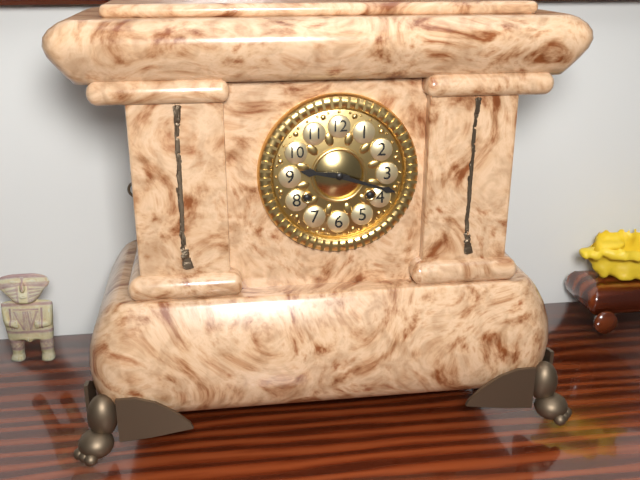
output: h=9 m=18
